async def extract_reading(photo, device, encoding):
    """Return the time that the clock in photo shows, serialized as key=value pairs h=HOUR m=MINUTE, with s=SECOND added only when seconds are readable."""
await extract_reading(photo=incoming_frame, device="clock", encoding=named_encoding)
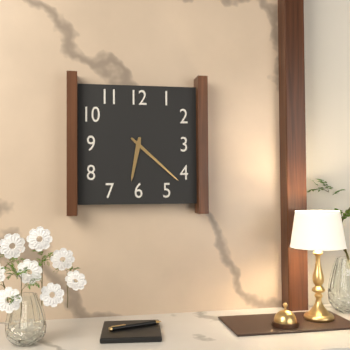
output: h=6 m=22
